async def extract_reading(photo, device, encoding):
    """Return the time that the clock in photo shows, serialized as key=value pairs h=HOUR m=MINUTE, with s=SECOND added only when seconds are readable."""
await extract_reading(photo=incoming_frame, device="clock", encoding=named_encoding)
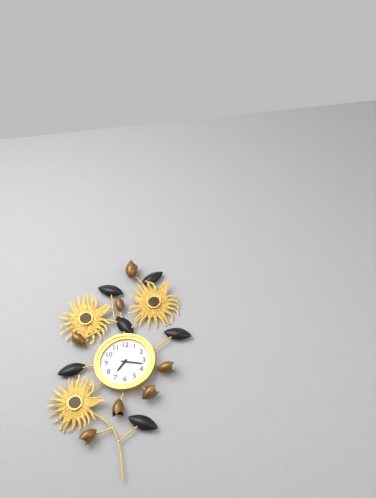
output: h=7 m=17
